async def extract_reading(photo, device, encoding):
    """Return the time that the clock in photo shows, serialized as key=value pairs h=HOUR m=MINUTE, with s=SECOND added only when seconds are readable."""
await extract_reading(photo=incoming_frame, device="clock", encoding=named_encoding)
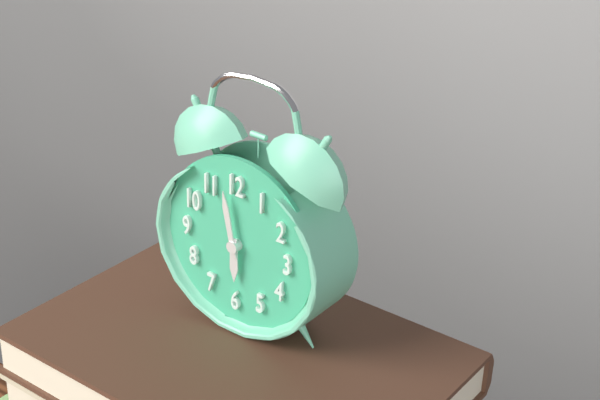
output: h=5 m=58
